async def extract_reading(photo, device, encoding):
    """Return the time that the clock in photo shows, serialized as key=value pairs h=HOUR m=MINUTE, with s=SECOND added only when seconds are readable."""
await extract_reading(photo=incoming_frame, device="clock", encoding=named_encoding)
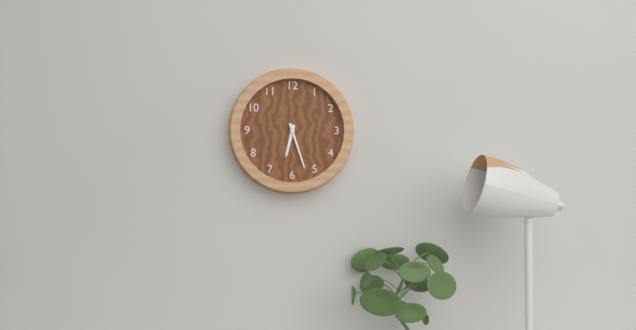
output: h=6 m=27
